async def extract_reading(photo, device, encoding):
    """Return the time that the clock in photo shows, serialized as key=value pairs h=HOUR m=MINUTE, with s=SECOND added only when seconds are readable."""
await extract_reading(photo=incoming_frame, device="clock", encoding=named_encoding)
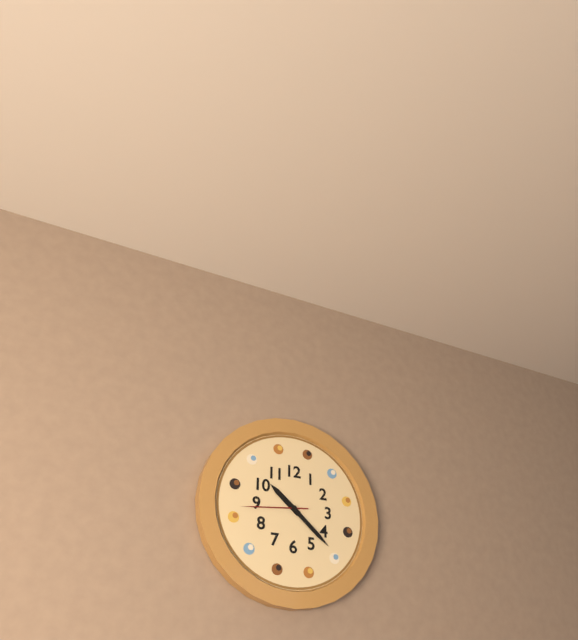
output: h=10 m=22 s=44
